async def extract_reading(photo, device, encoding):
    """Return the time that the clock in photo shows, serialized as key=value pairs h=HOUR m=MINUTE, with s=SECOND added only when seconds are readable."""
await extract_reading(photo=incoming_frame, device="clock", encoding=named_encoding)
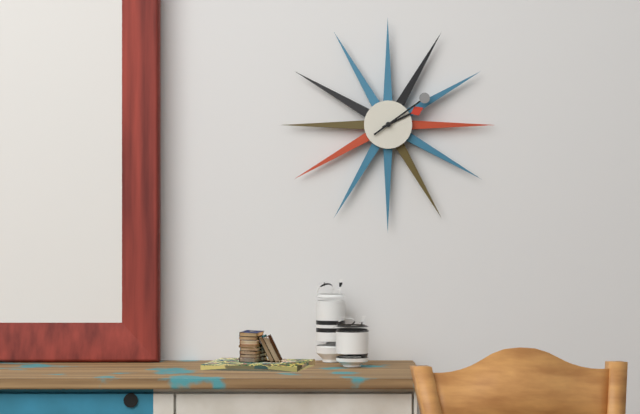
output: h=2 m=9
